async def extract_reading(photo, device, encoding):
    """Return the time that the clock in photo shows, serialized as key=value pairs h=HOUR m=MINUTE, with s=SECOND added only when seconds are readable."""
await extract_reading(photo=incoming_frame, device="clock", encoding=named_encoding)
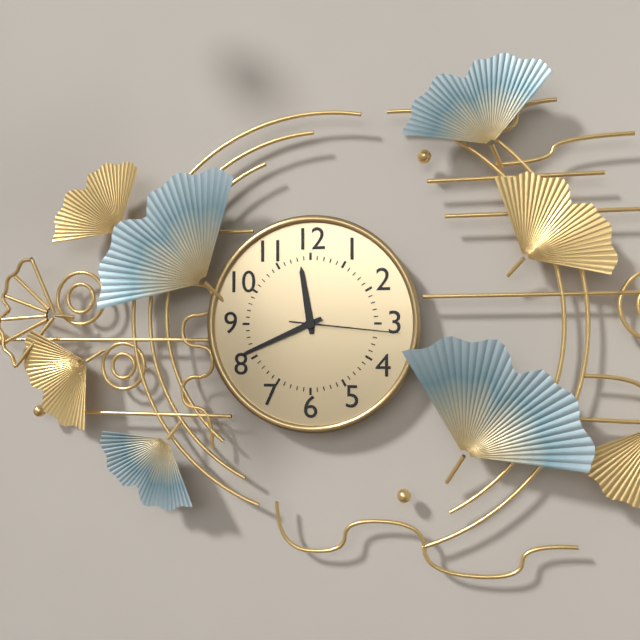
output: h=11 m=41 s=16
